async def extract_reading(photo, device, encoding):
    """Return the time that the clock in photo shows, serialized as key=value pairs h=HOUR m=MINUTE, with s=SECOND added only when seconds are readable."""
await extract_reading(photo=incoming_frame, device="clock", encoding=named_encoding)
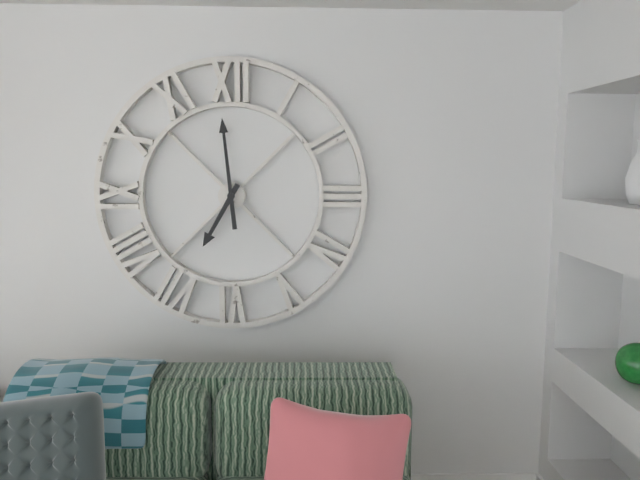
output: h=6 m=59
